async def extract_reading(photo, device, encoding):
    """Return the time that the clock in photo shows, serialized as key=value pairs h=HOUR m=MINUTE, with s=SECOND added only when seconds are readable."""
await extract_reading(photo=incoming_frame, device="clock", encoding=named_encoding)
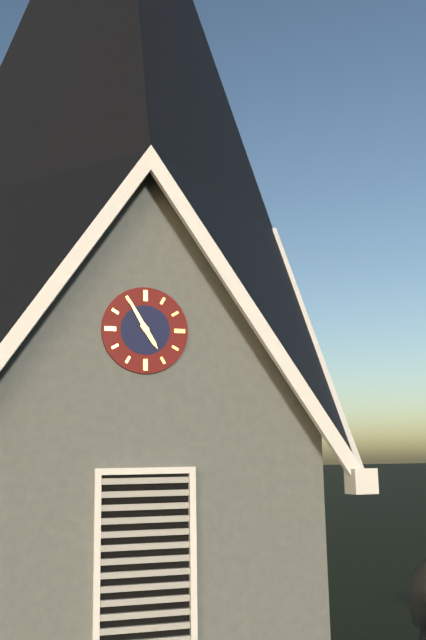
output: h=4 m=55
